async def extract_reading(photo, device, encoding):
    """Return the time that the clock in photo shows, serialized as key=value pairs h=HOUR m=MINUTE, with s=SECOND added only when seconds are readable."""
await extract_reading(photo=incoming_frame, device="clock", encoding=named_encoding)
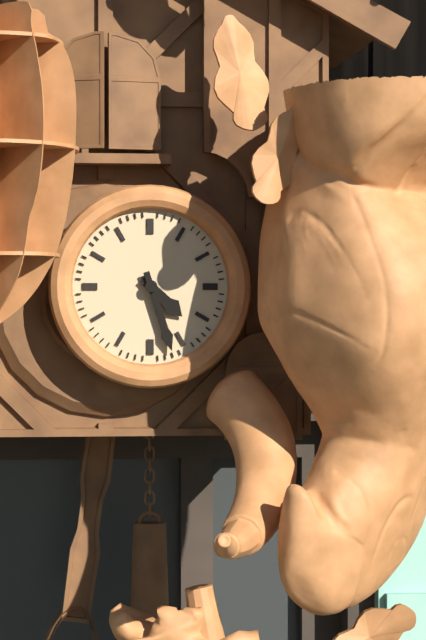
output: h=4 m=27
